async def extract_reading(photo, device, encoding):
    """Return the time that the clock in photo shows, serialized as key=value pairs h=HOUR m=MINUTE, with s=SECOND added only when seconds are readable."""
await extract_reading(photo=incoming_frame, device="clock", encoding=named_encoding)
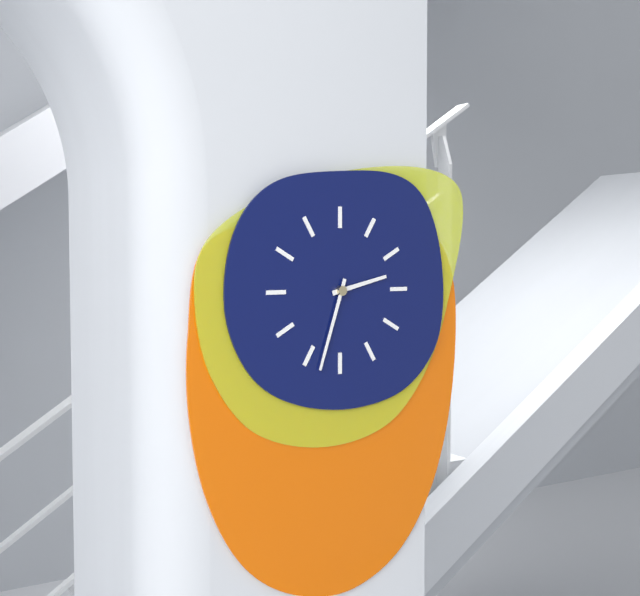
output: h=2 m=33
